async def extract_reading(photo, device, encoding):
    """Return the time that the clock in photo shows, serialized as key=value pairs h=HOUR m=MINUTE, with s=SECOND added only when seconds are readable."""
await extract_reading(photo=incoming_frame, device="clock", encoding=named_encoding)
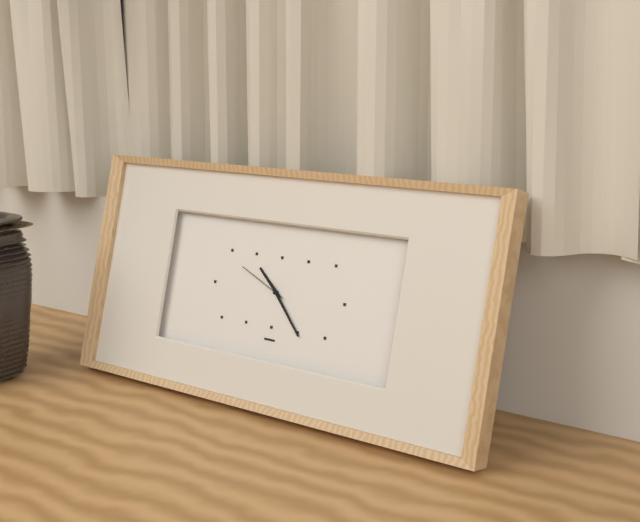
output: h=10 m=23 s=49
